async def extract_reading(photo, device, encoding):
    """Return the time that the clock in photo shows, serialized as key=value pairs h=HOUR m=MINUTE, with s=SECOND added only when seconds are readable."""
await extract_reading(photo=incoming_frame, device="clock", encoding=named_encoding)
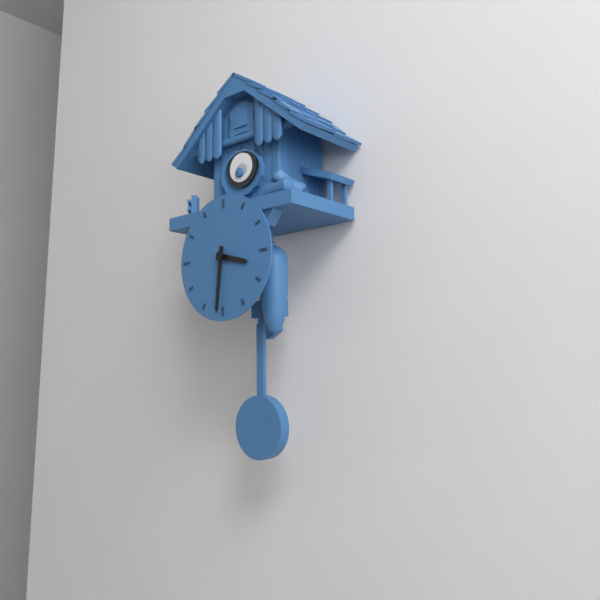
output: h=3 m=31
